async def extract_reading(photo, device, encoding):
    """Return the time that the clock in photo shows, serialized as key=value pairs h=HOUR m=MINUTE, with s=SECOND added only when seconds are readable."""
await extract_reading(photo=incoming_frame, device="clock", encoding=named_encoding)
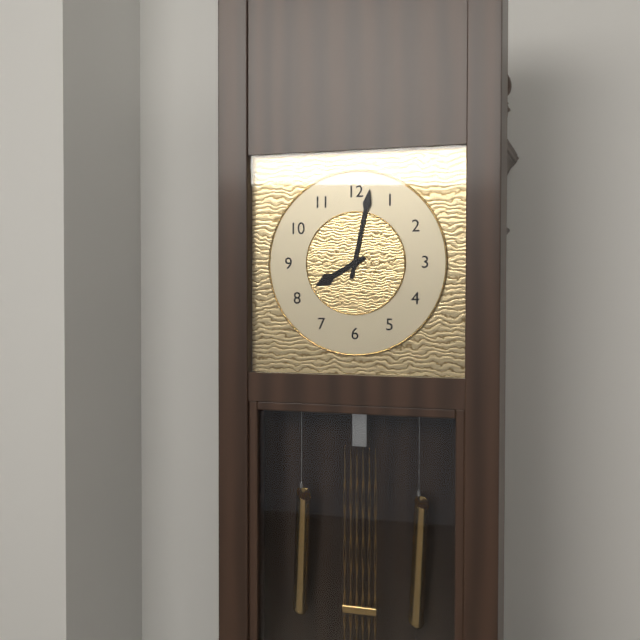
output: h=8 m=2
